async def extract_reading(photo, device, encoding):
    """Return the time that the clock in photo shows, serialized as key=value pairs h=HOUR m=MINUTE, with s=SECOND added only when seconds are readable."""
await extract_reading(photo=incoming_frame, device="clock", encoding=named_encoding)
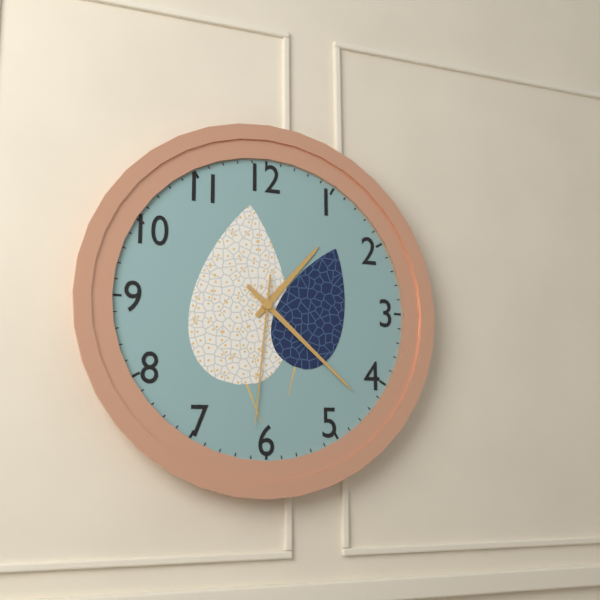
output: h=1 m=22 s=31
